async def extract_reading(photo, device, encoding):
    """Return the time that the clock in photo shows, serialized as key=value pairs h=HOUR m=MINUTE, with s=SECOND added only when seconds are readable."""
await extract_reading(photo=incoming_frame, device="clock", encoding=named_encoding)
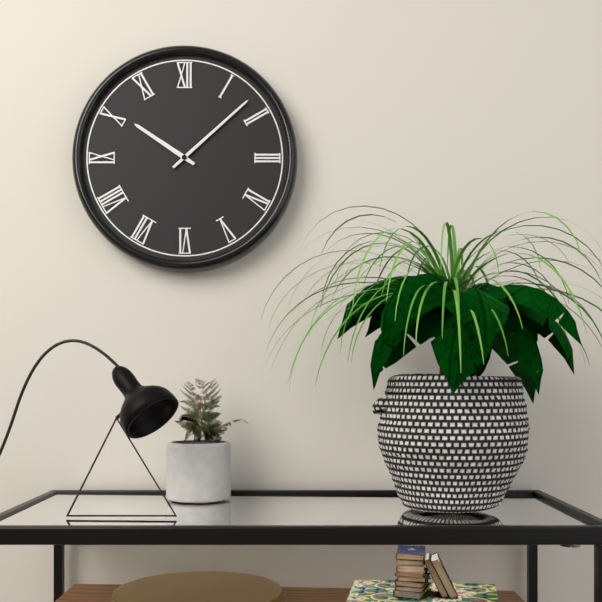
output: h=10 m=8
